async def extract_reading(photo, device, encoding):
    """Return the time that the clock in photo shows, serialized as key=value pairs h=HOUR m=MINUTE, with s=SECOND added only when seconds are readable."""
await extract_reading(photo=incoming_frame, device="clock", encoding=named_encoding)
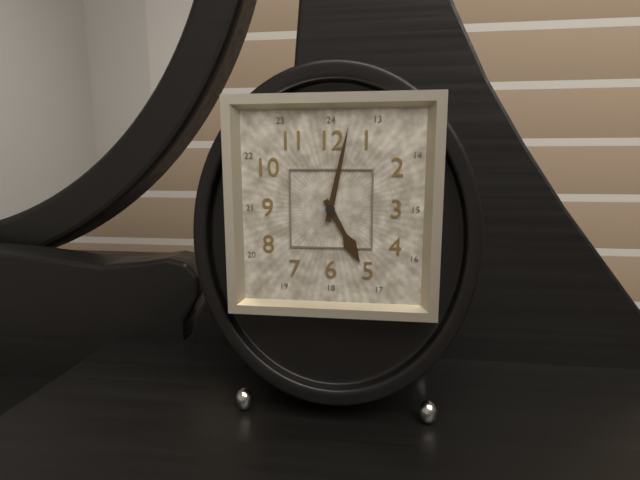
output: h=5 m=2
